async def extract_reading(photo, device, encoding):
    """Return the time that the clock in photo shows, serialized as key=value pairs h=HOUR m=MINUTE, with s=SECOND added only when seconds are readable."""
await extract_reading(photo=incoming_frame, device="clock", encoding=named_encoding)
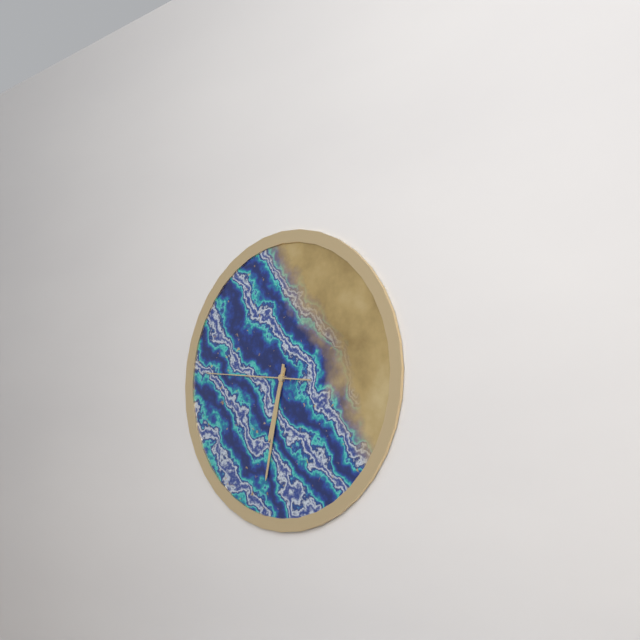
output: h=6 m=32 s=46
